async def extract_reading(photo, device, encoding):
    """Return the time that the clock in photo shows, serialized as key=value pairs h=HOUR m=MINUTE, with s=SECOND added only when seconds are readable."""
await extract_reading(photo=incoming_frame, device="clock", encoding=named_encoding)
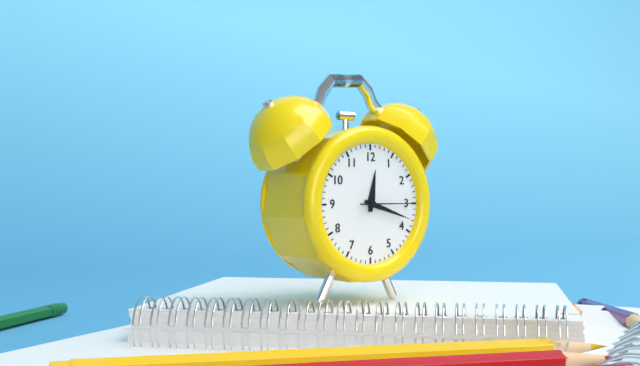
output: h=12 m=18 s=15
